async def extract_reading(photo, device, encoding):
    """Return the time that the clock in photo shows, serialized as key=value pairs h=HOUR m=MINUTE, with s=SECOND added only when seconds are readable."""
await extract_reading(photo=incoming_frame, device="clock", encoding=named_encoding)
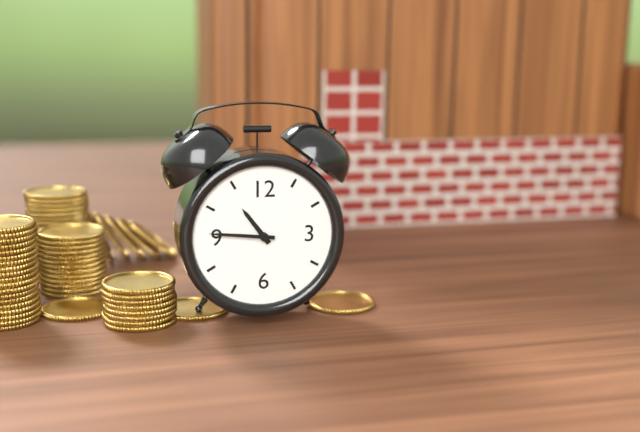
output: h=10 m=46
